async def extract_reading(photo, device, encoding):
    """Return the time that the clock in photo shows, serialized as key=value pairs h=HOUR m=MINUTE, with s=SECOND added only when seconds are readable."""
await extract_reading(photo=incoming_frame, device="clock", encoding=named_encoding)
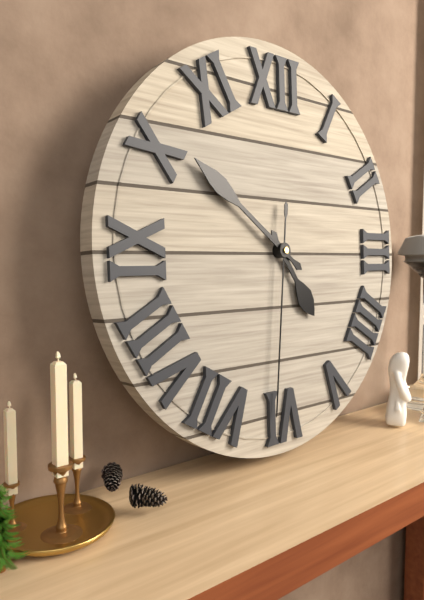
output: h=4 m=51 s=31
